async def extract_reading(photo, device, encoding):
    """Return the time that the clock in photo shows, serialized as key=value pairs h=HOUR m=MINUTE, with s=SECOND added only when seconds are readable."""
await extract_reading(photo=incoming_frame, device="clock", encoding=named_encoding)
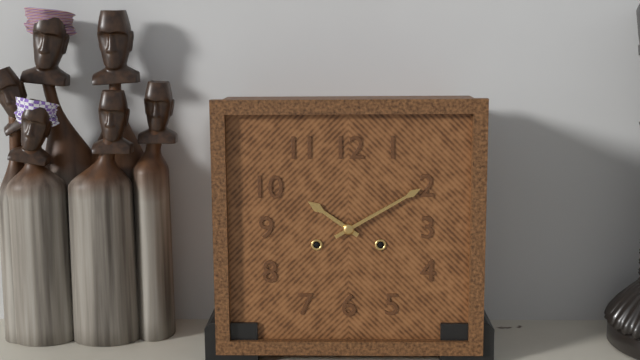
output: h=10 m=10
